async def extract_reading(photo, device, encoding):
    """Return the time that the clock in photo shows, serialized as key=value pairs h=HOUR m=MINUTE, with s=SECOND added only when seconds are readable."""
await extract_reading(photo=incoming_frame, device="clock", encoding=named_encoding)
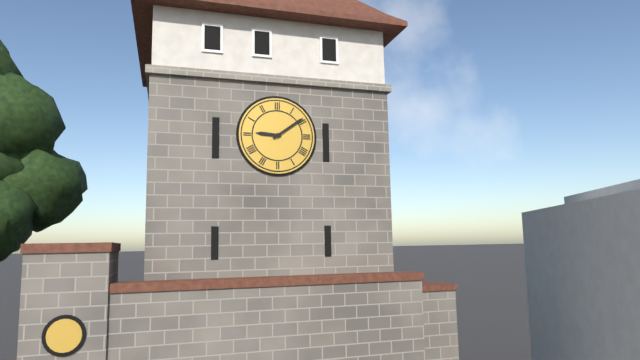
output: h=9 m=9
